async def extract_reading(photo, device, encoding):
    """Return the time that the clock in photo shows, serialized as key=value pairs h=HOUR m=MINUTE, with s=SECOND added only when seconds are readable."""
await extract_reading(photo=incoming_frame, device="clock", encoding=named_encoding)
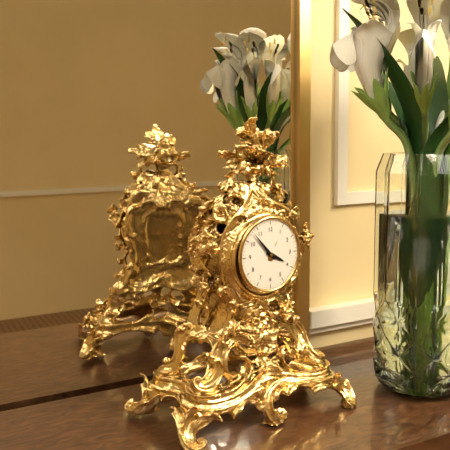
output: h=3 m=53
